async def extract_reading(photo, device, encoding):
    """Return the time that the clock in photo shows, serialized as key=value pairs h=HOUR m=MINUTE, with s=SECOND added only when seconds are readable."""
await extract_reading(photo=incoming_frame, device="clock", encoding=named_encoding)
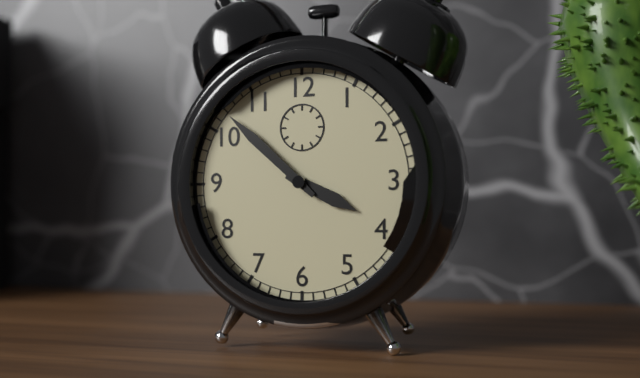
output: h=3 m=52
